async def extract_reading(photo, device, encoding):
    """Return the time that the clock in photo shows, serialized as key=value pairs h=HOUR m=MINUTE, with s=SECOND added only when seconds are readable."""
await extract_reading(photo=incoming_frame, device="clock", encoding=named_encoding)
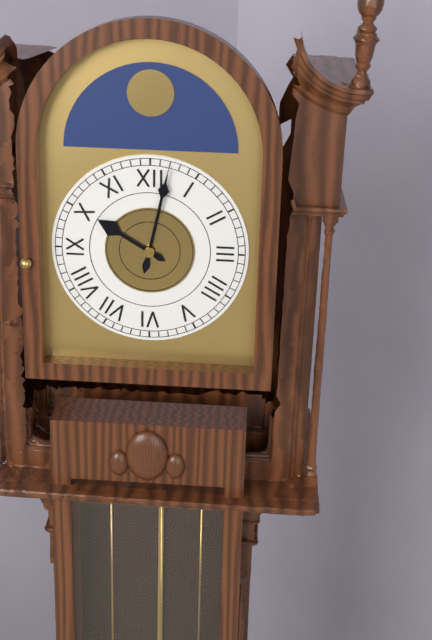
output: h=10 m=2
